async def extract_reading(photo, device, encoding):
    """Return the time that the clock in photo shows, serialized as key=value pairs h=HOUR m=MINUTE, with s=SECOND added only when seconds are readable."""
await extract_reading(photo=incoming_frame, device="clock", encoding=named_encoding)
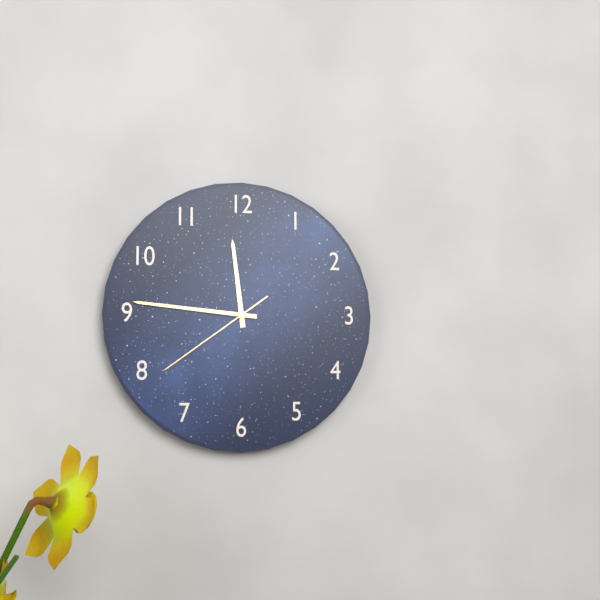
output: h=11 m=46 s=39
